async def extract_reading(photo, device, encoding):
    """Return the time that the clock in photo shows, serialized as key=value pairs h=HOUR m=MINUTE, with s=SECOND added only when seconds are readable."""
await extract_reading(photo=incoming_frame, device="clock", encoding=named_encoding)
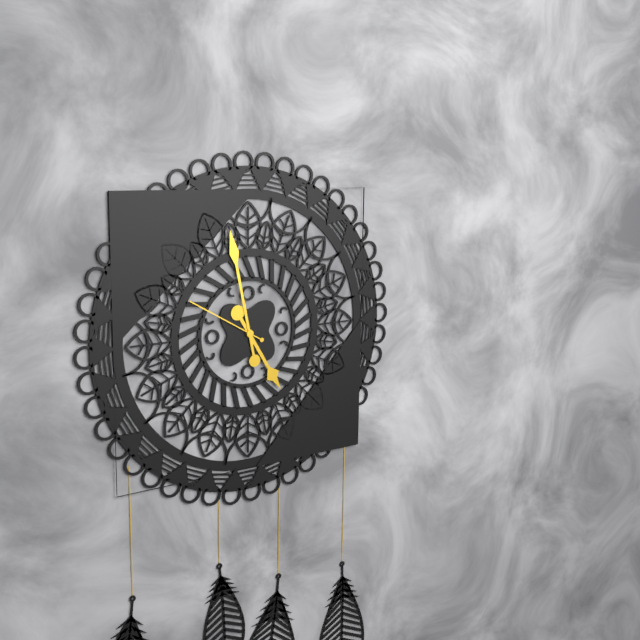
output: h=4 m=58 s=50
